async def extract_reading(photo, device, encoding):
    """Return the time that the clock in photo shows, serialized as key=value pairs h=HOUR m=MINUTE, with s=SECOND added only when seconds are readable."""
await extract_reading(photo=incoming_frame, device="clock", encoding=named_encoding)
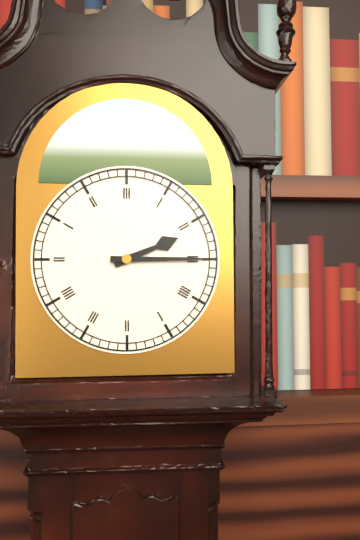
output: h=2 m=15
